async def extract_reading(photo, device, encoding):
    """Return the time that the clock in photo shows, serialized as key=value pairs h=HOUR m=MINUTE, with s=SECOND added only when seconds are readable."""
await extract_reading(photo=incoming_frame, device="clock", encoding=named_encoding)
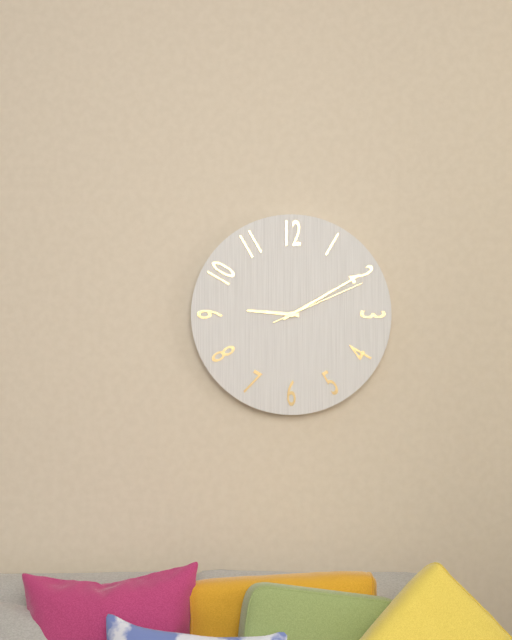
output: h=9 m=10 s=11
